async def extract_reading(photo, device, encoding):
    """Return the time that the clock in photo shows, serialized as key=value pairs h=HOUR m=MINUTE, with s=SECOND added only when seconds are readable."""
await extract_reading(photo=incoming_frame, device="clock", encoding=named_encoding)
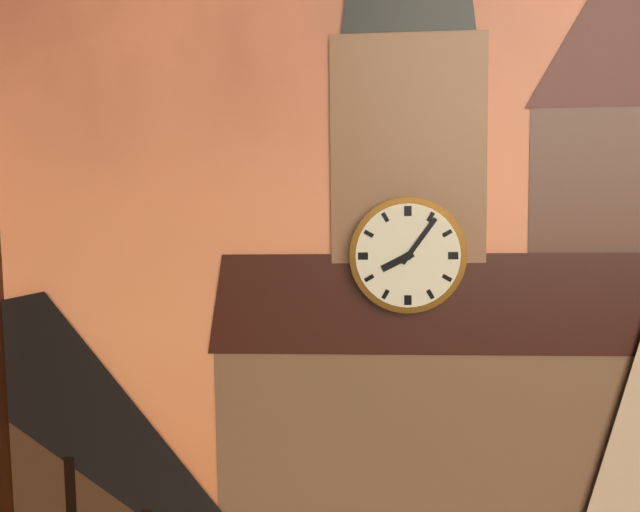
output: h=8 m=6
